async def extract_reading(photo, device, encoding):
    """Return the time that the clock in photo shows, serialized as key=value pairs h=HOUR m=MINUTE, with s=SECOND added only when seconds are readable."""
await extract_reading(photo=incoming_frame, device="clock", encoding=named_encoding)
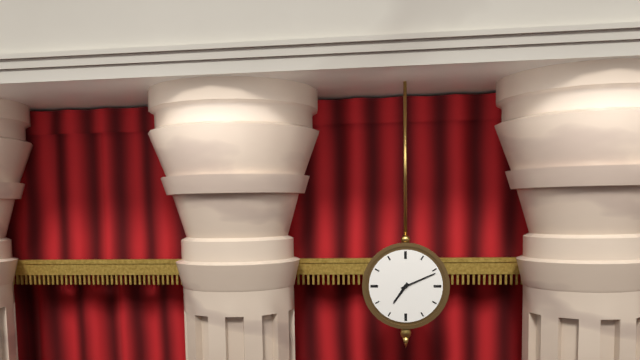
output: h=7 m=11
